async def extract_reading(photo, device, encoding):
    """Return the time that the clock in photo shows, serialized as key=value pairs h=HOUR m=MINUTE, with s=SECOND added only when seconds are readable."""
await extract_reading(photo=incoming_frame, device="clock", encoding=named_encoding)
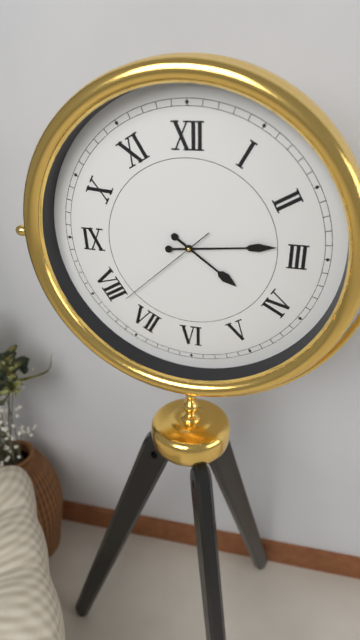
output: h=4 m=14 s=38
